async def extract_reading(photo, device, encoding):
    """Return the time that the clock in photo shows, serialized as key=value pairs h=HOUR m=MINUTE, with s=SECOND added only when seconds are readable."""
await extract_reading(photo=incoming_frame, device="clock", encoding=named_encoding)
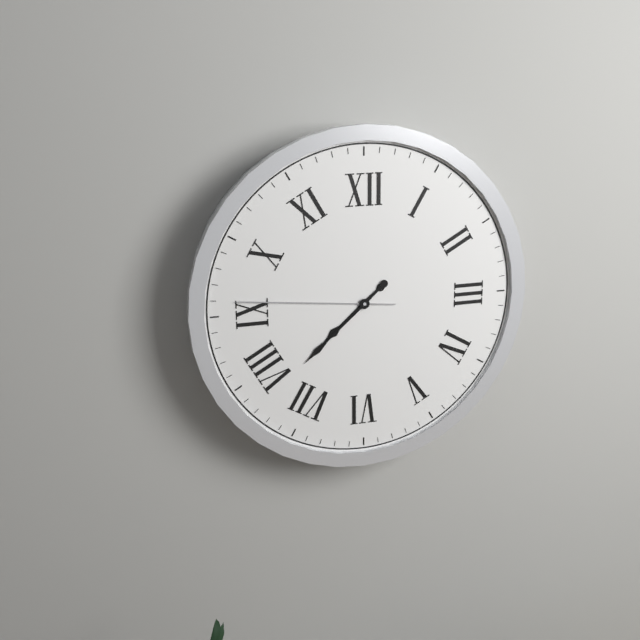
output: h=7 m=38 s=46
